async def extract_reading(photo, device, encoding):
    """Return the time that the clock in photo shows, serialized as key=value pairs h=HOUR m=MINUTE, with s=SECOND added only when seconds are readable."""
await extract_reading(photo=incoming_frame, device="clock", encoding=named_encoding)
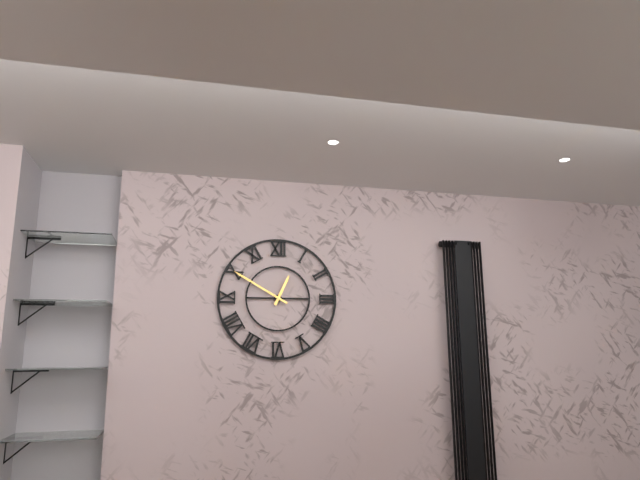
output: h=12 m=50
